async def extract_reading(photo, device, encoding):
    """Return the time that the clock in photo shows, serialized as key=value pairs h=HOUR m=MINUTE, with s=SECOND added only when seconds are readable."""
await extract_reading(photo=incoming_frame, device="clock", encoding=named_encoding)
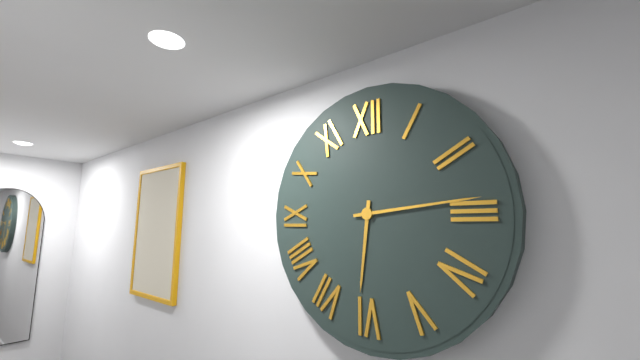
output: h=6 m=14
